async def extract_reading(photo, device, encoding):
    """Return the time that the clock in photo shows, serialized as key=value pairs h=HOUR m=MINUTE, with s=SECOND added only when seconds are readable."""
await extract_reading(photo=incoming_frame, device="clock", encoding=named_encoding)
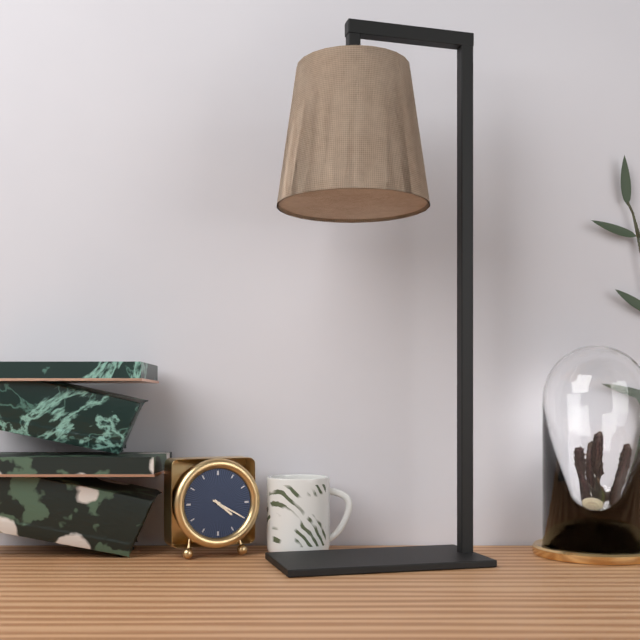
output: h=4 m=20
